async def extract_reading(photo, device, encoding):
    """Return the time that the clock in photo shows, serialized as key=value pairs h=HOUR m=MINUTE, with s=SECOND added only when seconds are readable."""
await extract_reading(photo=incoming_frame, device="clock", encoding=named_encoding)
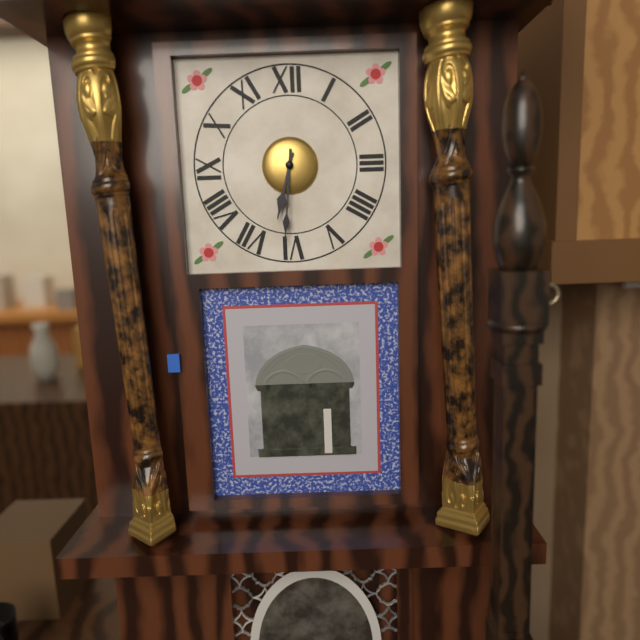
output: h=6 m=31
